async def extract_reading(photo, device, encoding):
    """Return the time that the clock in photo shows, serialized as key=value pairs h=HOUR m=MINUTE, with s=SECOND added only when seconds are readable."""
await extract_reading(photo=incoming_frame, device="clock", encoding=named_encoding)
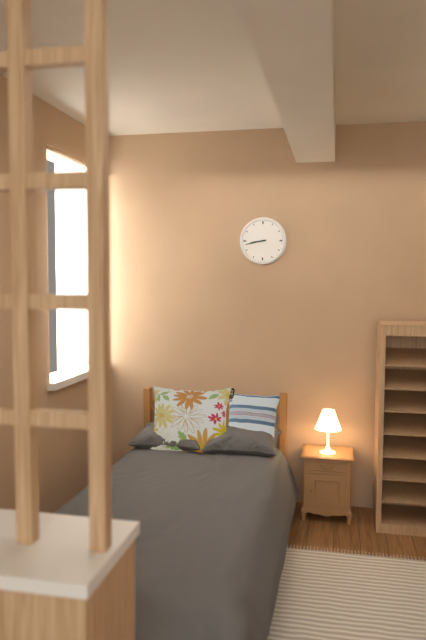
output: h=8 m=43
